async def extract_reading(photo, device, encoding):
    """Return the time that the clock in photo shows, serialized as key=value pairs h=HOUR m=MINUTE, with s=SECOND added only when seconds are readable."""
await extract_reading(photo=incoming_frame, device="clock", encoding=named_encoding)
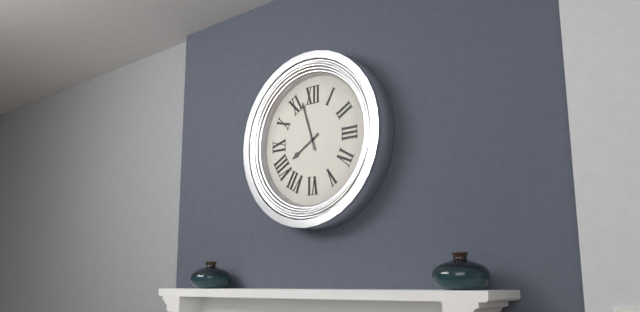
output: h=7 m=57
